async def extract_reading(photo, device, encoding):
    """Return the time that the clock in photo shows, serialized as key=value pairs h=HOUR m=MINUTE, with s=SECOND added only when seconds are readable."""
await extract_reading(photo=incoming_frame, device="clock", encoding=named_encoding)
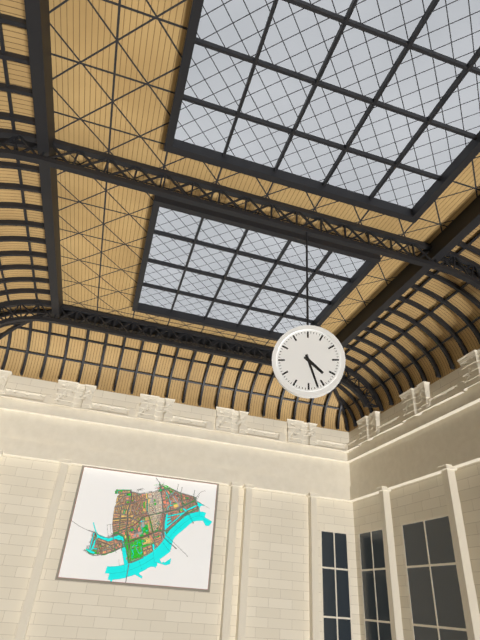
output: h=4 m=27
